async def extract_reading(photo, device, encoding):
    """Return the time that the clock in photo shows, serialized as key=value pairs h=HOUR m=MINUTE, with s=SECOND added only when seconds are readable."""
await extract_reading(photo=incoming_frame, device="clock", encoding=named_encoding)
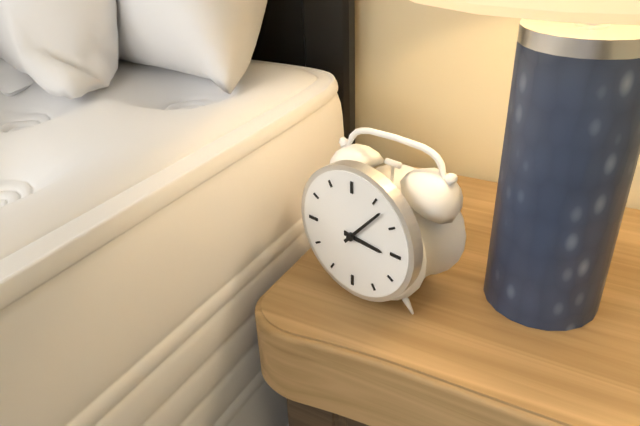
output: h=3 m=7
